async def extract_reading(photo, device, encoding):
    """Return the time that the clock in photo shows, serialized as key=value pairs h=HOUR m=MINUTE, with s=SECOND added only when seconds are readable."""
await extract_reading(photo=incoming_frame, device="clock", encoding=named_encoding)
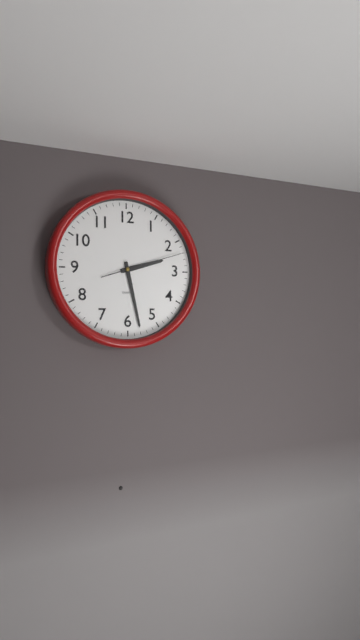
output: h=2 m=28 s=12
